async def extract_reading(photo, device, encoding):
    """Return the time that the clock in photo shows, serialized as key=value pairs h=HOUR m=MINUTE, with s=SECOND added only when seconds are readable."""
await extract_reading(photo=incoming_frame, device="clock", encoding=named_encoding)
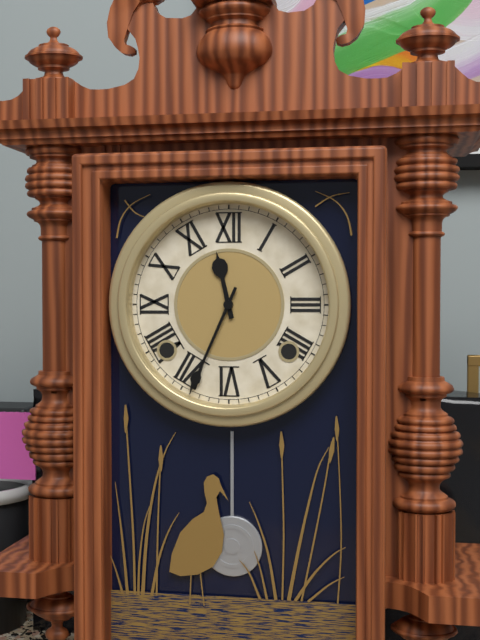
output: h=11 m=34
